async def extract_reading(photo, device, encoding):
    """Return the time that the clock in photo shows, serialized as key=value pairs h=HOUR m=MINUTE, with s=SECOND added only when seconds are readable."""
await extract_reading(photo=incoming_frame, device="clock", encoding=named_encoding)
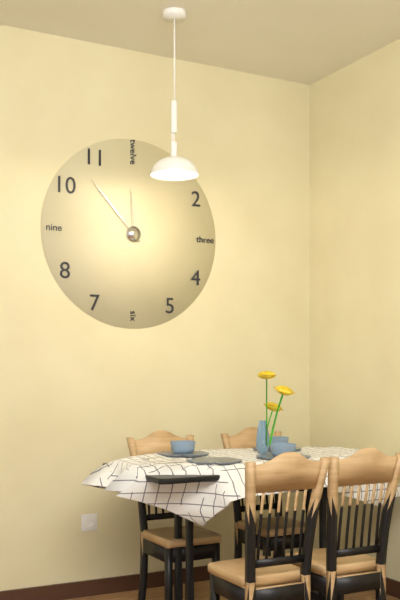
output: h=11 m=53
